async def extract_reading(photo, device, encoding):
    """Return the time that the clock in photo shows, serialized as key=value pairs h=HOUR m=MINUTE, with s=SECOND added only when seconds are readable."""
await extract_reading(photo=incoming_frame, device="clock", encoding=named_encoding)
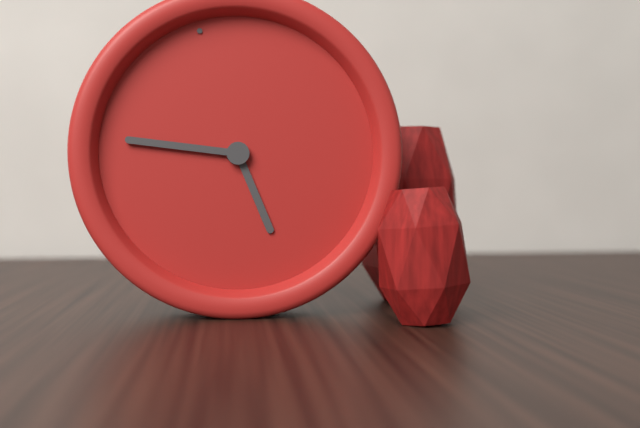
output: h=5 m=49
